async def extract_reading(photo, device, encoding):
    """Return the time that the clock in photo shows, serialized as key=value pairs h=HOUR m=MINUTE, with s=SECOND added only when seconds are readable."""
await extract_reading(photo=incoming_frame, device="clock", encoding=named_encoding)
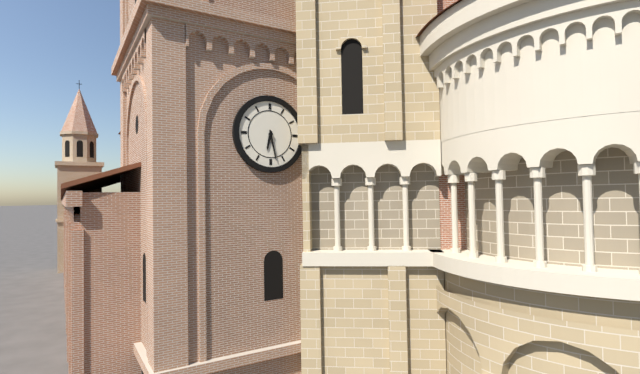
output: h=6 m=28
